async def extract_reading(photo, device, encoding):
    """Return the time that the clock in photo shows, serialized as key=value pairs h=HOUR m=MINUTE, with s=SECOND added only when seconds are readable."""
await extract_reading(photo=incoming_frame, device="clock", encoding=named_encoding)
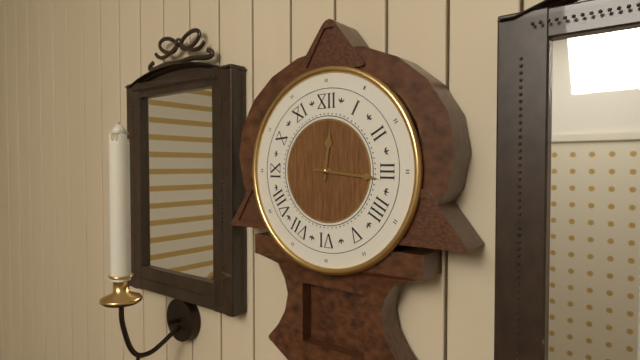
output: h=12 m=16
